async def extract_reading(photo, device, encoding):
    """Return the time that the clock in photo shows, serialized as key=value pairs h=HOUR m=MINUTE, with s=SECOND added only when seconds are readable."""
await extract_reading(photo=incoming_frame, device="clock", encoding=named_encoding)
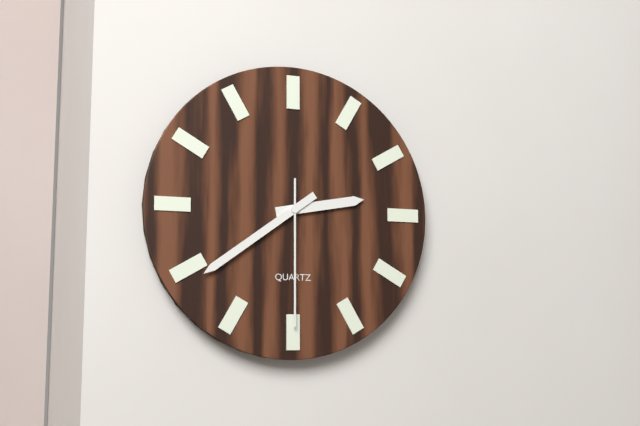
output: h=2 m=39 s=30
